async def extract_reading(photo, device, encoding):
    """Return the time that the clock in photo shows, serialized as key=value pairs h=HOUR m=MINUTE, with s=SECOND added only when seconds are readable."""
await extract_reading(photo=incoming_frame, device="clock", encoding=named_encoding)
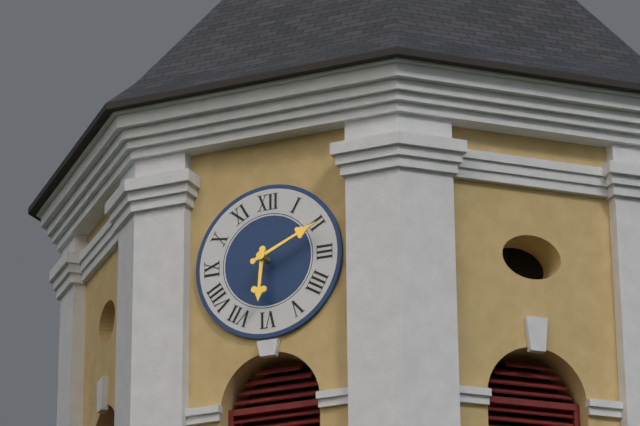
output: h=6 m=11
